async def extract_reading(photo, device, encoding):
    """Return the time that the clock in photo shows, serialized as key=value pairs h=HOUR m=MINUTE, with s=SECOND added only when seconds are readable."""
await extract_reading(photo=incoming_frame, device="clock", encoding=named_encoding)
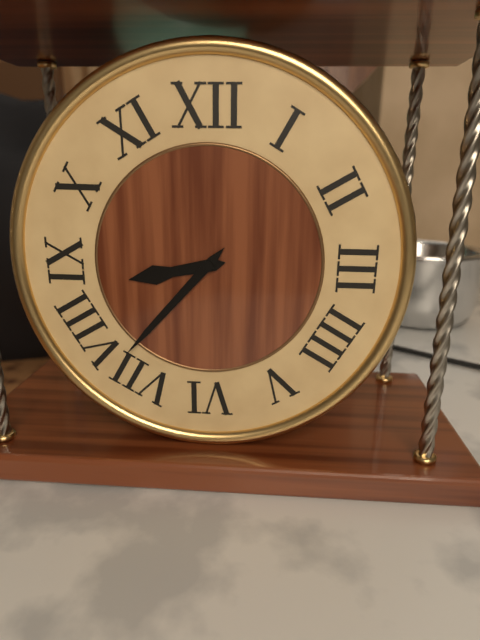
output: h=8 m=37
